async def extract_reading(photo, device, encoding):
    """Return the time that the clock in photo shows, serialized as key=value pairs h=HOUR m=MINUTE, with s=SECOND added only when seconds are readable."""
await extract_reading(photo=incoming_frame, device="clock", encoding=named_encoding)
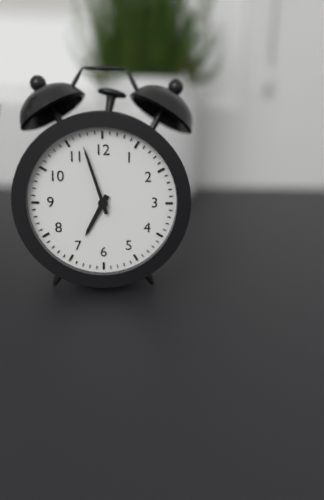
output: h=6 m=57
